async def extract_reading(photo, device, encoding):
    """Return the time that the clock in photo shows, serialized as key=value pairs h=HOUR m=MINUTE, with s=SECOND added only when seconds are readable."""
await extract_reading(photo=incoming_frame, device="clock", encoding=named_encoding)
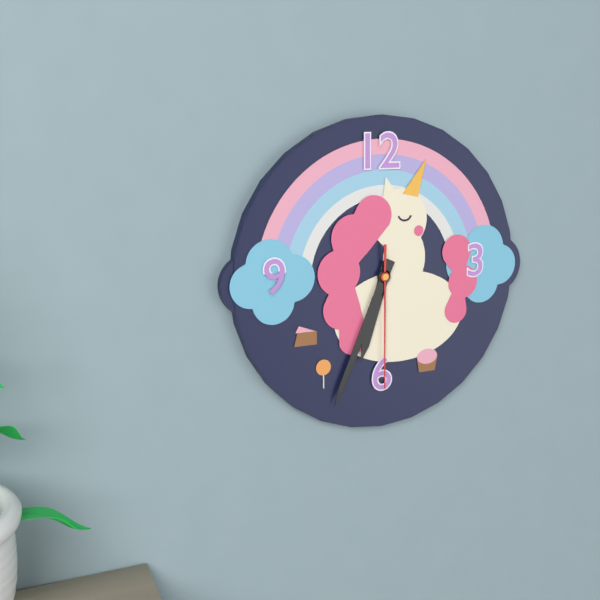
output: h=6 m=34 s=30
